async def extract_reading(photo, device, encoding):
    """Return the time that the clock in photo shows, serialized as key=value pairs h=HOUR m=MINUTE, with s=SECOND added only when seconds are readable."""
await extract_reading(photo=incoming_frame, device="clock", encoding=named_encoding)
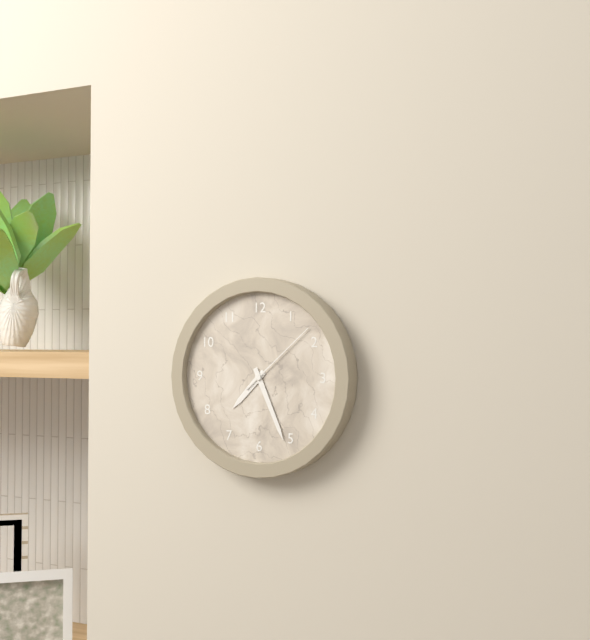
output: h=7 m=26 s=8
